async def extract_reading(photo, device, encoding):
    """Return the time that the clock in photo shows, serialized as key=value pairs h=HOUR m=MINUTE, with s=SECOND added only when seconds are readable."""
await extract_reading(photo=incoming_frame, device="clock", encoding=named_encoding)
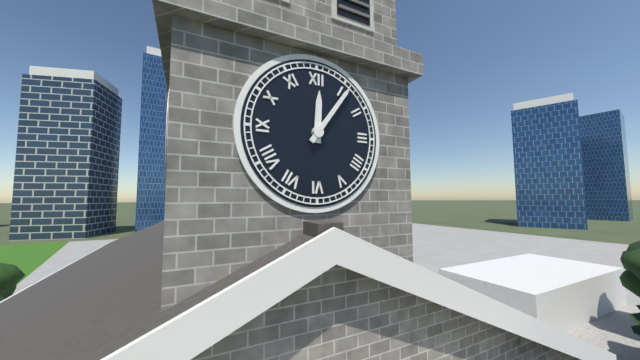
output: h=12 m=6
